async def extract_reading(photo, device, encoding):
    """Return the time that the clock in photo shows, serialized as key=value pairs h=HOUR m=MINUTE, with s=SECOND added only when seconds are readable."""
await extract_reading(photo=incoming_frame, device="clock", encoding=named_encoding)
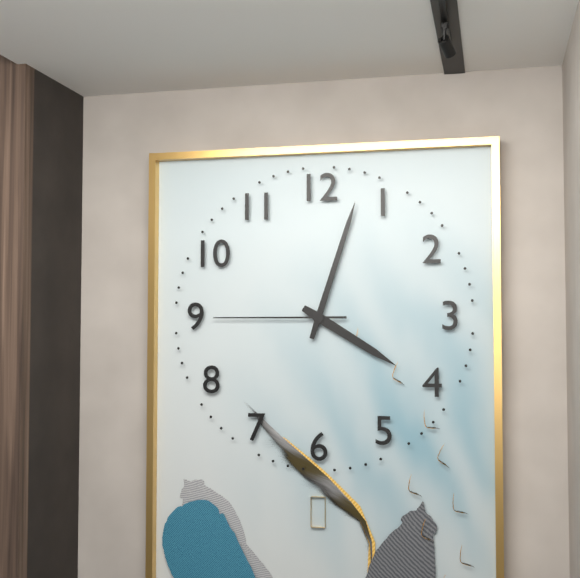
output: h=4 m=3 s=45
